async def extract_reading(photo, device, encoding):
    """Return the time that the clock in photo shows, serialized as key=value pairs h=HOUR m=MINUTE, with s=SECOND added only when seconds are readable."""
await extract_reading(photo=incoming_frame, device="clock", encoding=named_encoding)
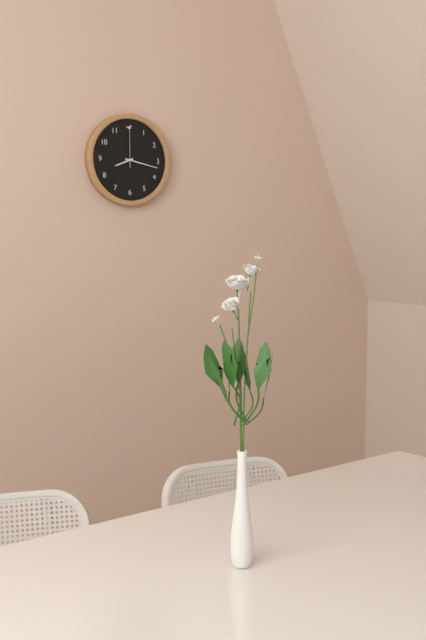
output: h=8 m=17
